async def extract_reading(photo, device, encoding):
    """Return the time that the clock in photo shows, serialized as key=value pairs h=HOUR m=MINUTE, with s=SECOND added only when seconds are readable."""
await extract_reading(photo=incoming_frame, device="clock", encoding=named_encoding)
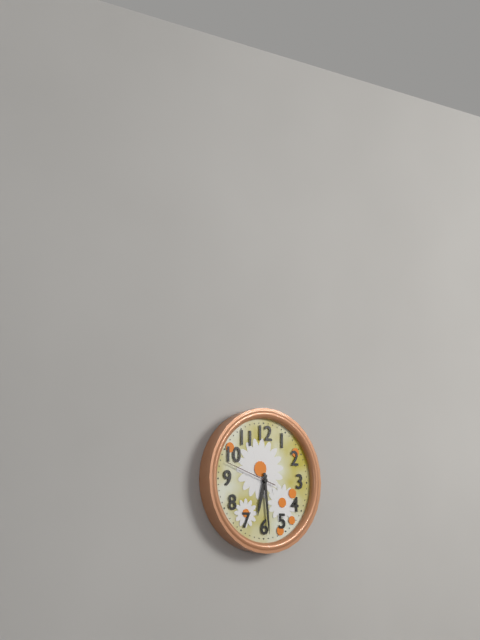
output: h=6 m=29 s=48
